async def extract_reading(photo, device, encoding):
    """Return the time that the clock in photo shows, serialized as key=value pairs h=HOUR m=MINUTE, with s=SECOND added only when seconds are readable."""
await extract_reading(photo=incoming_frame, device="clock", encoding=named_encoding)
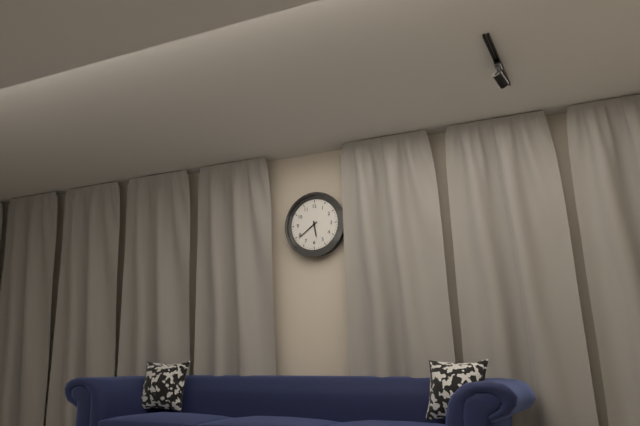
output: h=5 m=39
